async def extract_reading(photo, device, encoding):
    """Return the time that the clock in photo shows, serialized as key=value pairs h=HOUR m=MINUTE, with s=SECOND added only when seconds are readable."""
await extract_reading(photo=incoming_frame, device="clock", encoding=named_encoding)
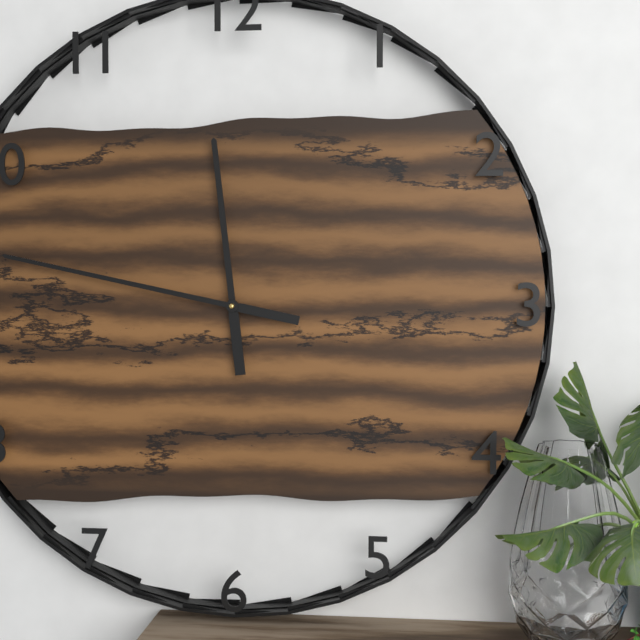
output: h=11 m=47
